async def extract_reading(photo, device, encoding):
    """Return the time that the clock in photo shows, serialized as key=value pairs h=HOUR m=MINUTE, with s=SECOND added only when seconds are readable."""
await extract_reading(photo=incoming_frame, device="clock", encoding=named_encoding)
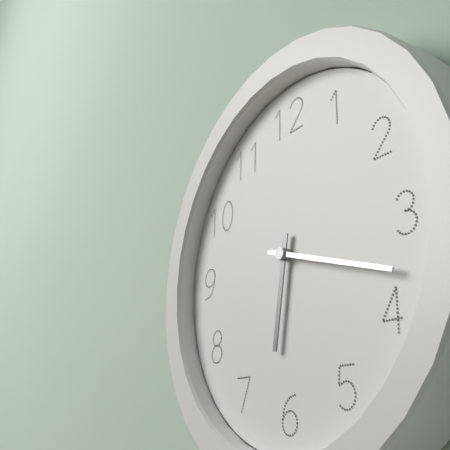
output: h=6 m=18
